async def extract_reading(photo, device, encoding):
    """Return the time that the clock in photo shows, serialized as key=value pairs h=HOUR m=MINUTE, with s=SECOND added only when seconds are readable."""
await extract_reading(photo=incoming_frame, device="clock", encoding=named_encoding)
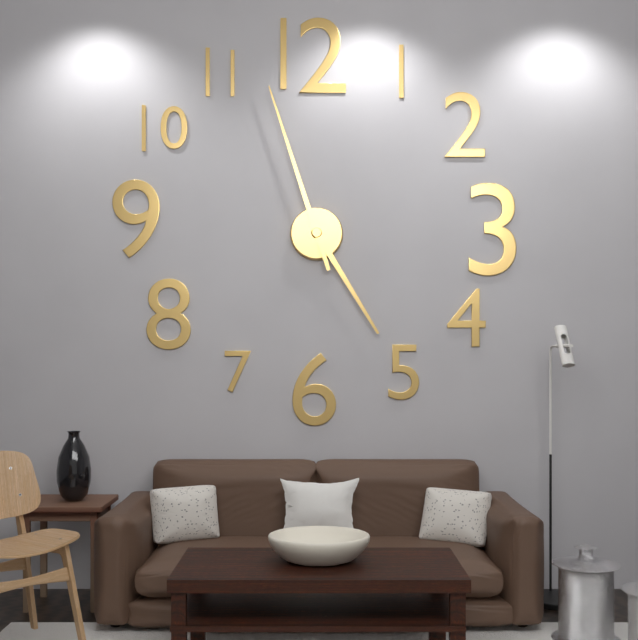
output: h=4 m=57
